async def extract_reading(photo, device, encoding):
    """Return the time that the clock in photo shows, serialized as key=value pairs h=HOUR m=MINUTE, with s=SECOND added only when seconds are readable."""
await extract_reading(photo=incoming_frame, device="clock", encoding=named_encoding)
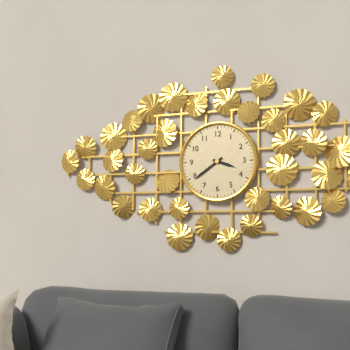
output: h=3 m=39
